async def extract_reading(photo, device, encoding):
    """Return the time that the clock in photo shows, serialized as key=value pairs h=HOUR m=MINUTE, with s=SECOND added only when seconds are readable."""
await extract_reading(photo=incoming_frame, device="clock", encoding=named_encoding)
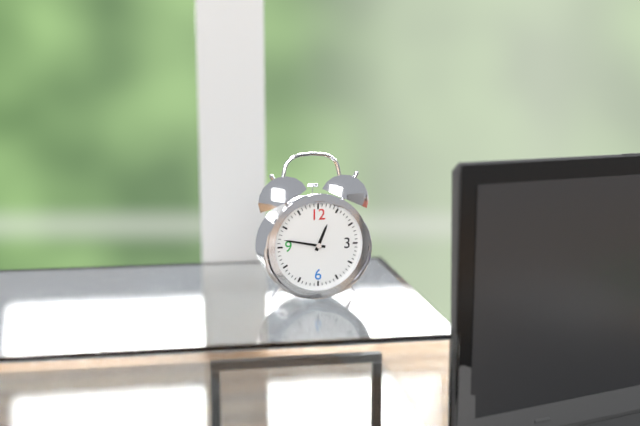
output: h=12 m=47
